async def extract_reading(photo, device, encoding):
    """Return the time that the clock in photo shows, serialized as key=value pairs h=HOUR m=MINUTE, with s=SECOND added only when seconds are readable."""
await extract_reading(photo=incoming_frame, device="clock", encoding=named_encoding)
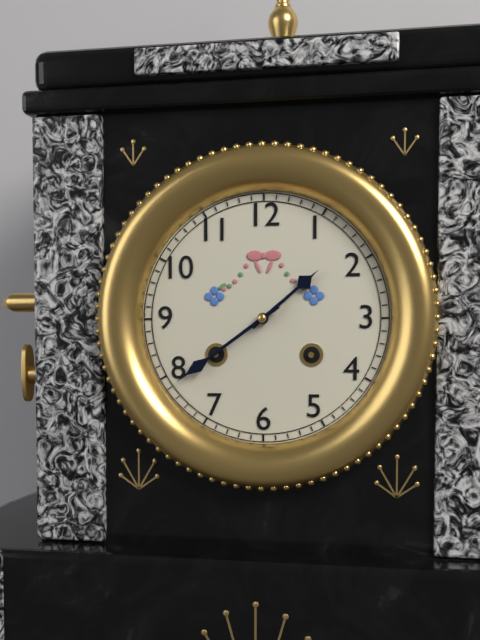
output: h=1 m=39
